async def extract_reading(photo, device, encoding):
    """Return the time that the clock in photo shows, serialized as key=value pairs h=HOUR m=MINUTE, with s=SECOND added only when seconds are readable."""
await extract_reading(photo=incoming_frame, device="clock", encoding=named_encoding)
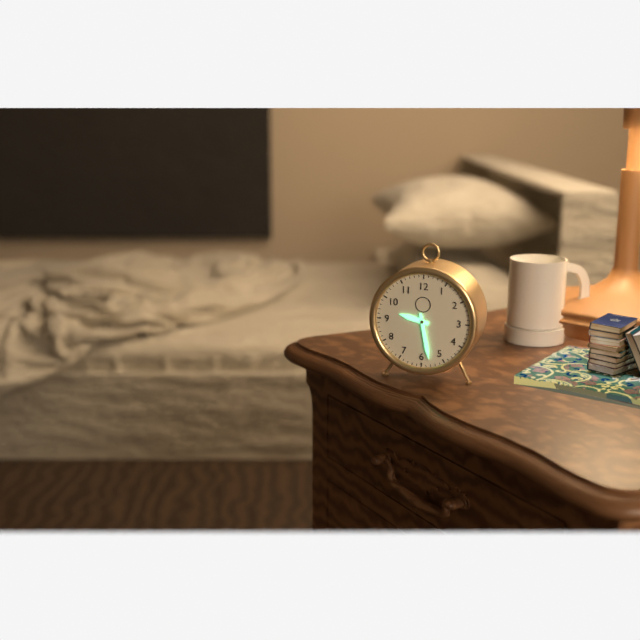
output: h=9 m=28
